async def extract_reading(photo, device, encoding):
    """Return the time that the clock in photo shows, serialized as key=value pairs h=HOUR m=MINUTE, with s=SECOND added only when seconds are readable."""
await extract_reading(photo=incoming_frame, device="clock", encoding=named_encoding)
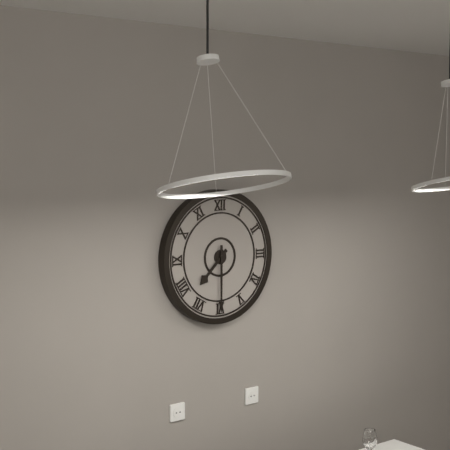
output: h=7 m=30
